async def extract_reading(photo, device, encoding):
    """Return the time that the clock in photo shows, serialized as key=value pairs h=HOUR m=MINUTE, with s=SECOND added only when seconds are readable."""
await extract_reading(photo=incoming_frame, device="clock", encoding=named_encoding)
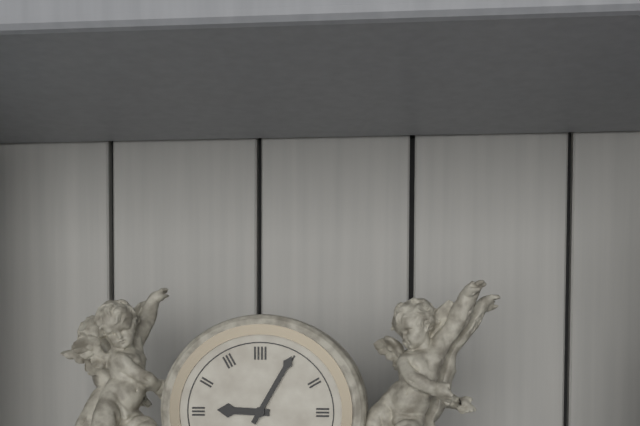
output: h=9 m=5
